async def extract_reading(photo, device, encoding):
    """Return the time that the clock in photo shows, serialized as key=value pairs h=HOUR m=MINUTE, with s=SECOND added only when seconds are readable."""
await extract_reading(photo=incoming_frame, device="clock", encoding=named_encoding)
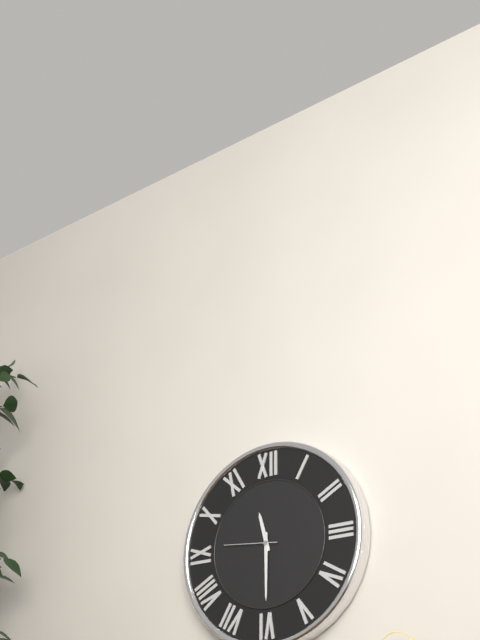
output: h=11 m=30 s=46
